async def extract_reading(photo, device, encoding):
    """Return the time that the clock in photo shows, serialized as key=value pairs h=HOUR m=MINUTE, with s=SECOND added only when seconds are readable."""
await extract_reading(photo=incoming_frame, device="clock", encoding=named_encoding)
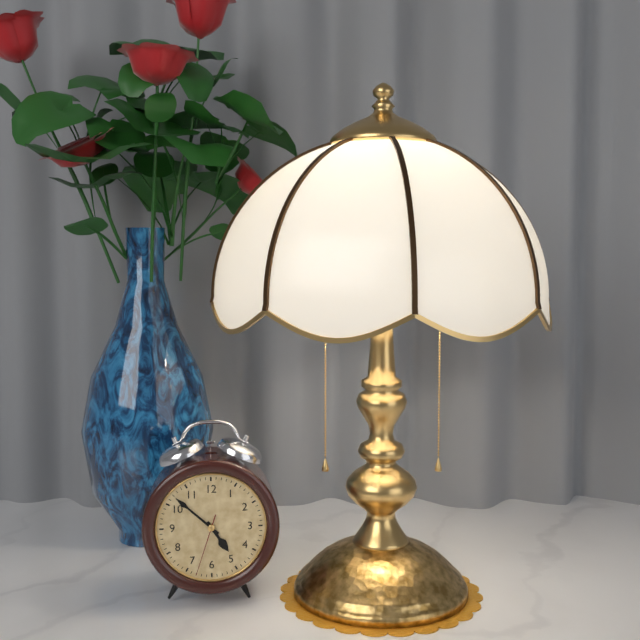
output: h=4 m=52 s=33
